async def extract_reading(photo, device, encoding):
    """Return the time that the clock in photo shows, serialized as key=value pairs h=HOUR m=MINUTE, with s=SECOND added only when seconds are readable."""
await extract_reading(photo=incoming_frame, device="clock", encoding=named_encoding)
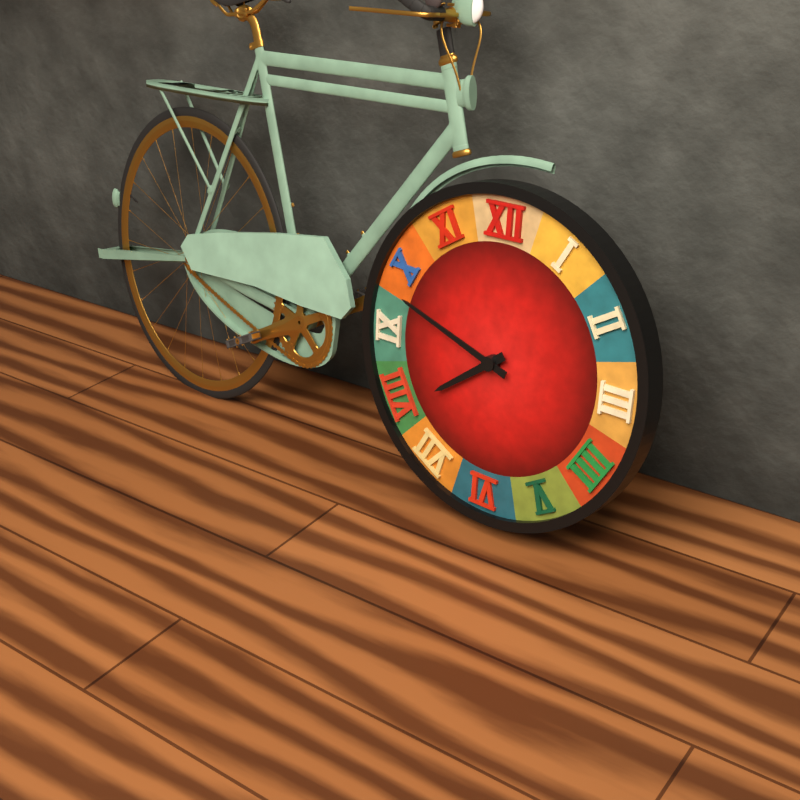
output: h=7 m=48
